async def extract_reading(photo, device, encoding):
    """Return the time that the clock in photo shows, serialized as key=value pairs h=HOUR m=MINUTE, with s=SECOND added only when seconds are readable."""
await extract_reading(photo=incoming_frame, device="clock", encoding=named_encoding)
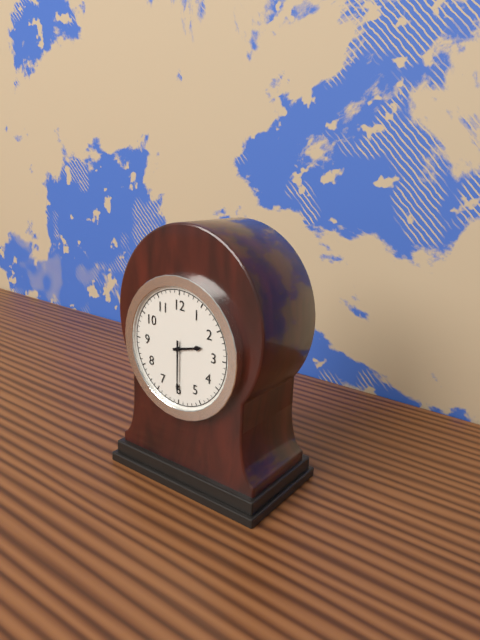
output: h=2 m=30
